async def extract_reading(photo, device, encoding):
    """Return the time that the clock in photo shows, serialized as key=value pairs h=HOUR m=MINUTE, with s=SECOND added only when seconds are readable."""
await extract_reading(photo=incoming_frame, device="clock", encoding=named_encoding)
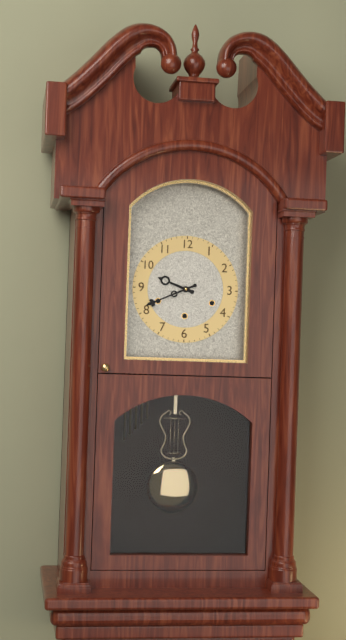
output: h=9 m=41
